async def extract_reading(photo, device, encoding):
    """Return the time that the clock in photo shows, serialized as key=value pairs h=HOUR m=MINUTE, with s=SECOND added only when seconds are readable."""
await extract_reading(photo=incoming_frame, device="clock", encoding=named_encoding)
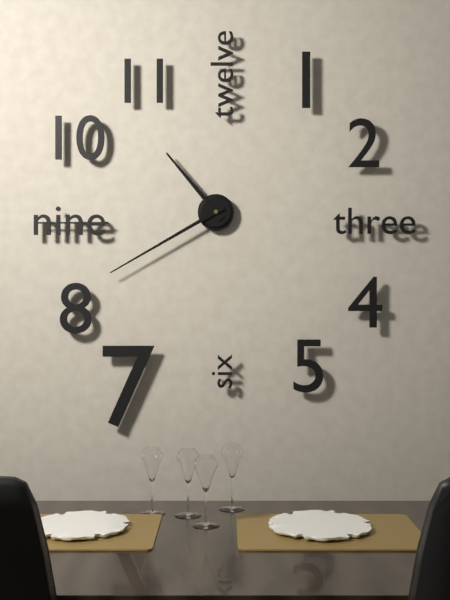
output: h=10 m=40
